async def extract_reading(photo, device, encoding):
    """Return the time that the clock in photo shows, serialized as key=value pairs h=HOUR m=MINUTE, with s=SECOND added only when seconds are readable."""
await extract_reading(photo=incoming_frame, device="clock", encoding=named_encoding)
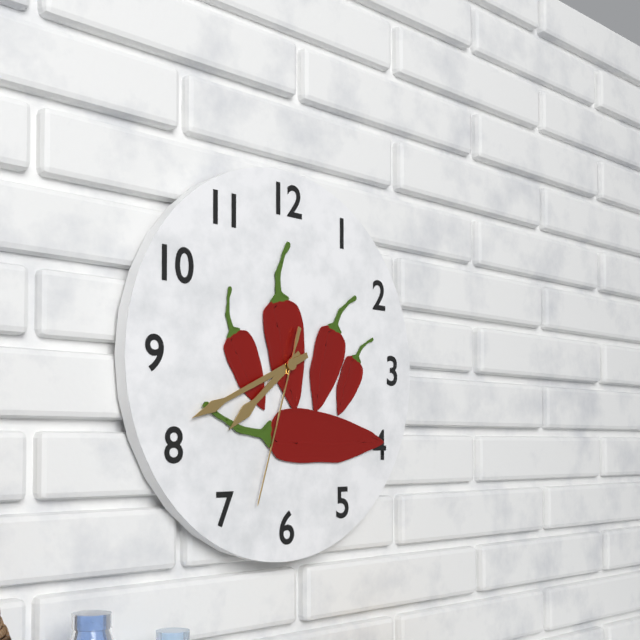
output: h=7 m=41 s=33
